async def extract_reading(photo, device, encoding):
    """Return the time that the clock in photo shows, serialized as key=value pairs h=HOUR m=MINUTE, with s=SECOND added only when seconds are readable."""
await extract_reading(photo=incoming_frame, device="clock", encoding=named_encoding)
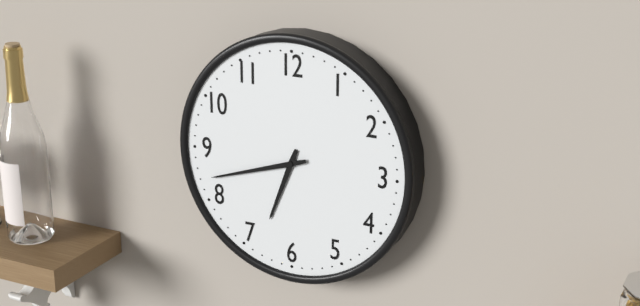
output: h=6 m=42
